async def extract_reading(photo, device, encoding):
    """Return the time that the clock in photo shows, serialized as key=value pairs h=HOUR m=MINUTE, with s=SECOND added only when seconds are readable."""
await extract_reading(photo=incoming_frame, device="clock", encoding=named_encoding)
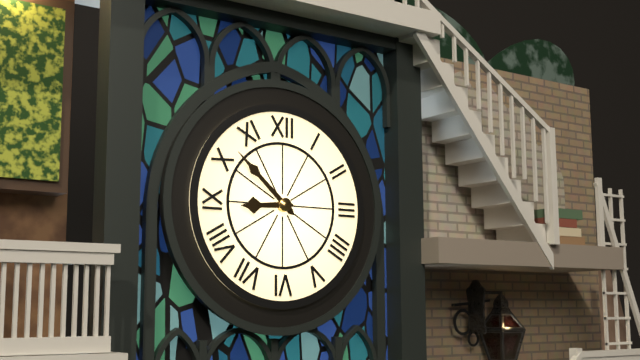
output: h=8 m=52
